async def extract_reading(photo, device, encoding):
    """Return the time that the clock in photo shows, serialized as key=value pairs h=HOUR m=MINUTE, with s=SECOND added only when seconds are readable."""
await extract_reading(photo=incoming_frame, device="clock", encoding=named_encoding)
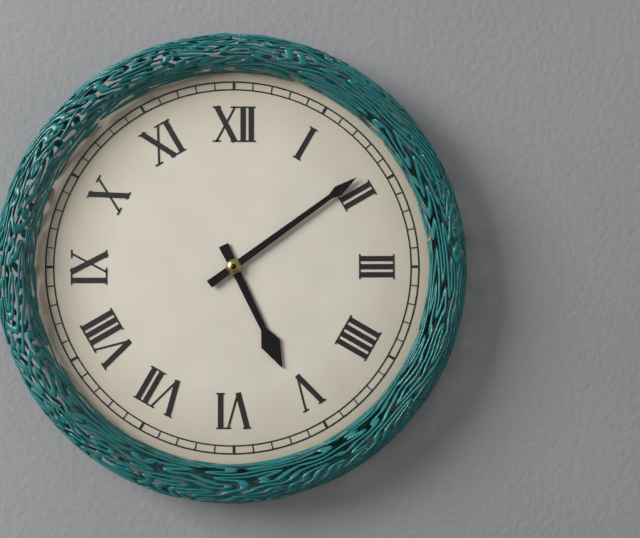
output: h=5 m=9
